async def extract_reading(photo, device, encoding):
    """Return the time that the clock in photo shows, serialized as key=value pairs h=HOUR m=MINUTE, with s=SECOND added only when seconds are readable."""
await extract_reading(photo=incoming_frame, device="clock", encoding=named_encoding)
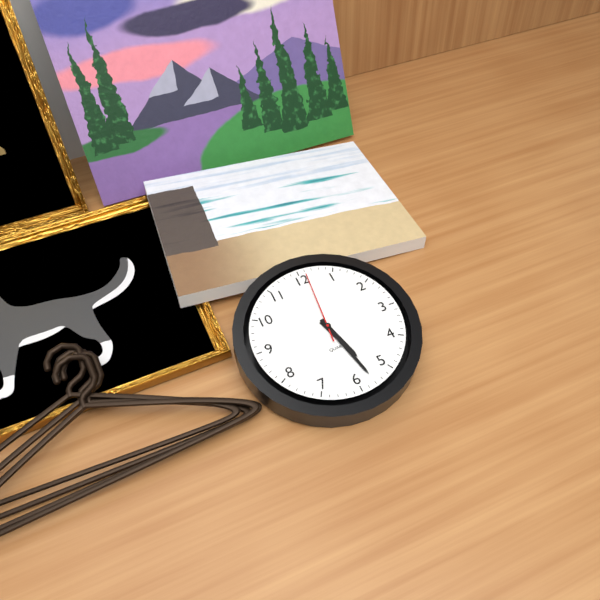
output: h=5 m=28 s=1
